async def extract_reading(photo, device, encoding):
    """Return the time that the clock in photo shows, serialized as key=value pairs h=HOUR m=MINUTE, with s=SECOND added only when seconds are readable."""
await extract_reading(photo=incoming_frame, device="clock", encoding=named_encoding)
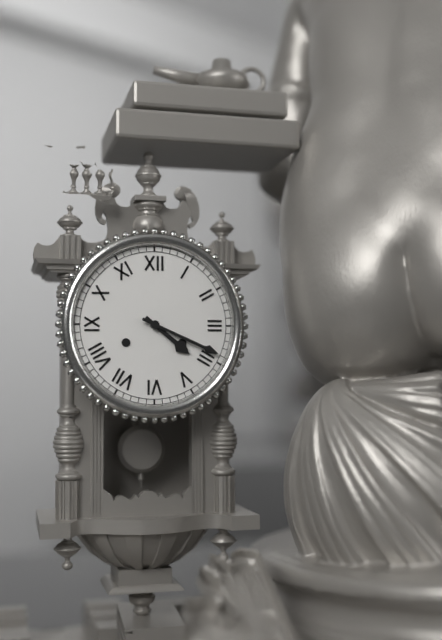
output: h=4 m=19
